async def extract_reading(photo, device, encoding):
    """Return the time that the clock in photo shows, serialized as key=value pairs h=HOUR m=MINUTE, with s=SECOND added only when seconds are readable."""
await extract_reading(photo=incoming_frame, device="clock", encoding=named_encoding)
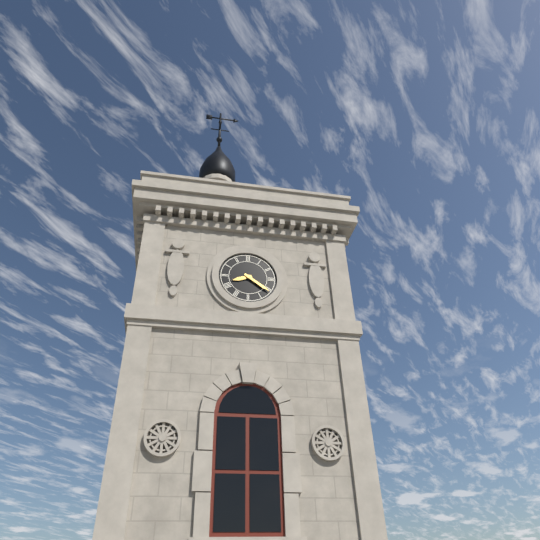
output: h=8 m=21
